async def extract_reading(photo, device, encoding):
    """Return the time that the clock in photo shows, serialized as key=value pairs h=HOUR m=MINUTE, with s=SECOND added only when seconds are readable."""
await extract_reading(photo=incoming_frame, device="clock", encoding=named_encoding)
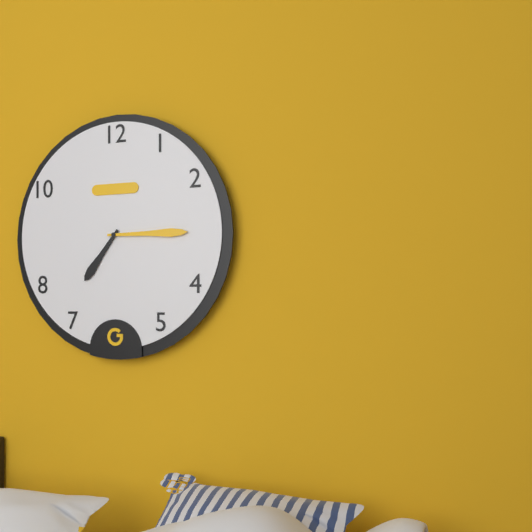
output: h=7 m=15
